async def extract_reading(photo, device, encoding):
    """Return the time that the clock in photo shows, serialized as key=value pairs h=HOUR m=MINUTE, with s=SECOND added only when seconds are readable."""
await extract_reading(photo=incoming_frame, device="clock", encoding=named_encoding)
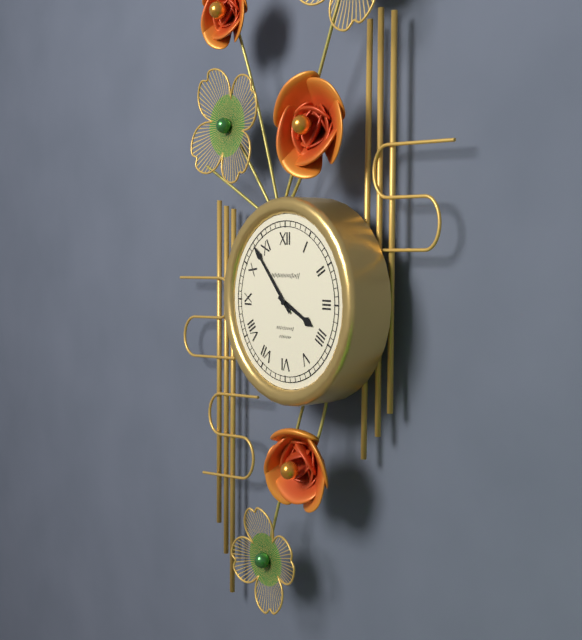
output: h=3 m=53
